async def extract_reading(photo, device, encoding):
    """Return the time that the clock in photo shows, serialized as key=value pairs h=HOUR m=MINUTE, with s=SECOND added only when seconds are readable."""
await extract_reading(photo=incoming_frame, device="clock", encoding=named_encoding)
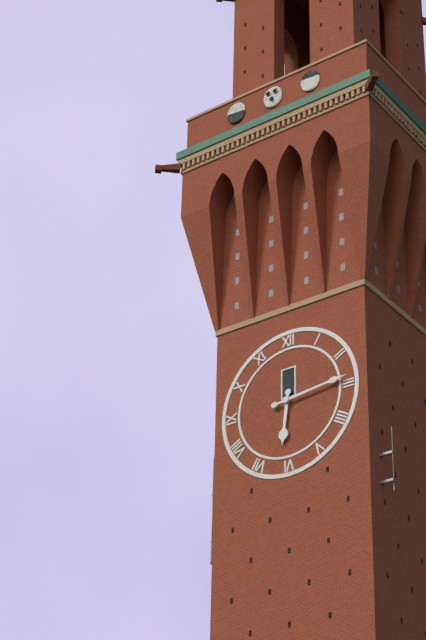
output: h=6 m=14
